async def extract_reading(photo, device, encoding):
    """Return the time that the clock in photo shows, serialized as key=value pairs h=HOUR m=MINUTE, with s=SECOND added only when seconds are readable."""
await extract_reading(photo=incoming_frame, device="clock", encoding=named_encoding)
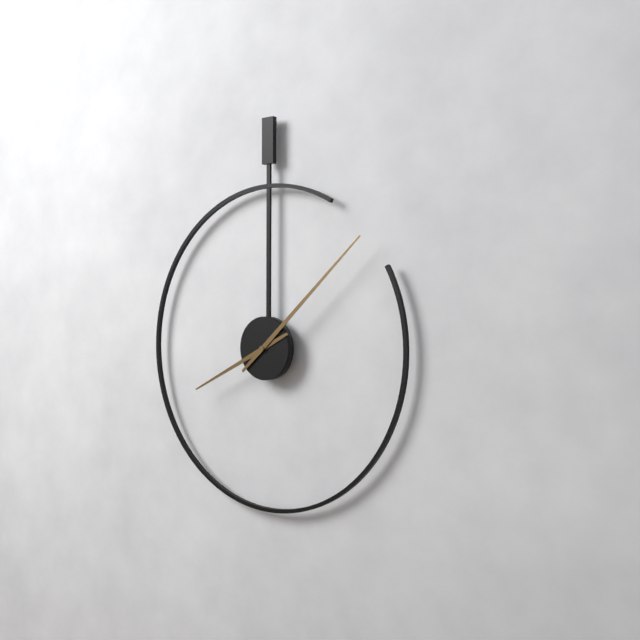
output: h=8 m=8
